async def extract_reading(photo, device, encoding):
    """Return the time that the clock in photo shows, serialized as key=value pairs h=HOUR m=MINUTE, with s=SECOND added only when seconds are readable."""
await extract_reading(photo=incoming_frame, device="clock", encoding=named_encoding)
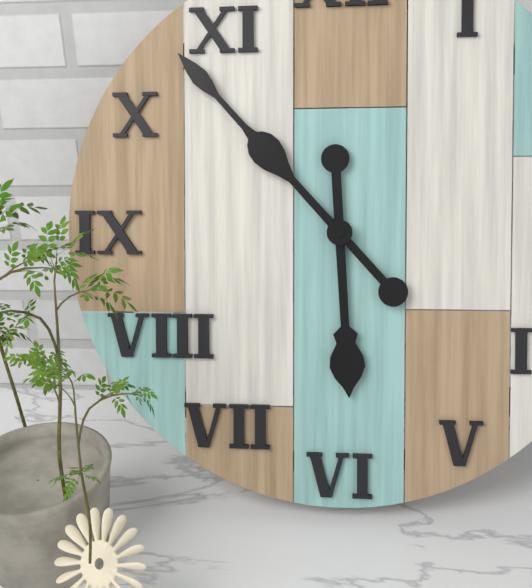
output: h=5 m=53
